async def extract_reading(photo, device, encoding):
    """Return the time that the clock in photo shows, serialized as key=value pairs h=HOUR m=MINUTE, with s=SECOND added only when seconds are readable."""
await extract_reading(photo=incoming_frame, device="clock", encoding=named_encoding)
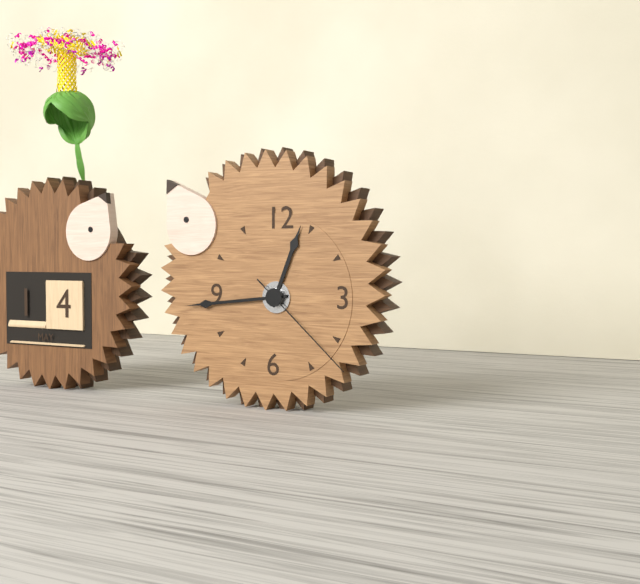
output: h=12 m=44 s=22
